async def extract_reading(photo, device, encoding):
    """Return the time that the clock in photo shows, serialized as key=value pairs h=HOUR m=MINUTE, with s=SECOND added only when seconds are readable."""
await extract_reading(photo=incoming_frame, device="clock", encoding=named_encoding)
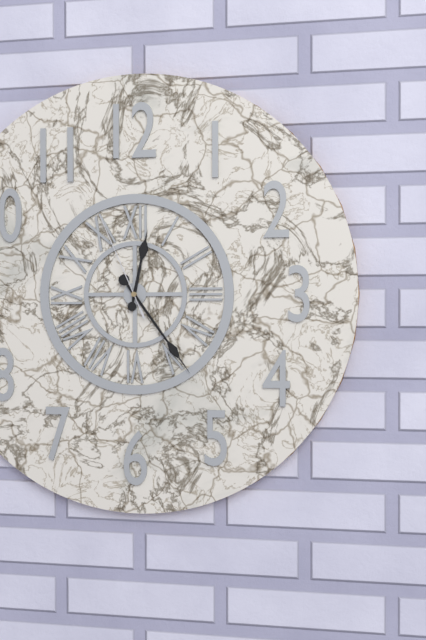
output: h=12 m=24 s=56
